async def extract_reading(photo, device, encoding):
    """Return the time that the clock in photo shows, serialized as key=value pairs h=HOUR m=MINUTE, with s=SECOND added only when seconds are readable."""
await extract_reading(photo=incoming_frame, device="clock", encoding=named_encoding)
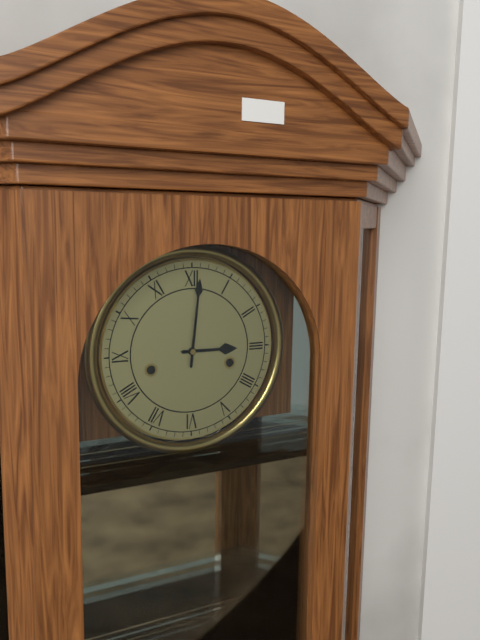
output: h=3 m=1
